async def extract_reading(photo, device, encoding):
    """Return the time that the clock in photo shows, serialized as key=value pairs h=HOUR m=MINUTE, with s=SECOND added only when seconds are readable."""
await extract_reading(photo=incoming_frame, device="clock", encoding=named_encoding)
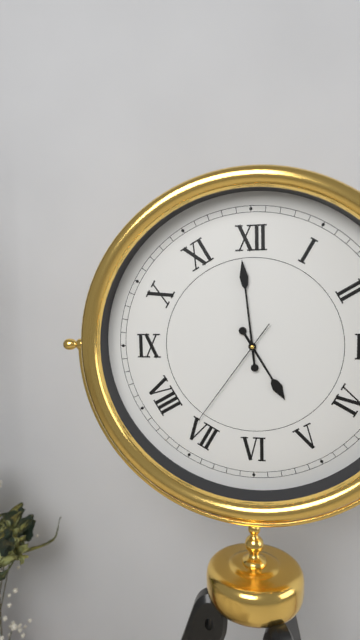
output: h=4 m=59 s=36
